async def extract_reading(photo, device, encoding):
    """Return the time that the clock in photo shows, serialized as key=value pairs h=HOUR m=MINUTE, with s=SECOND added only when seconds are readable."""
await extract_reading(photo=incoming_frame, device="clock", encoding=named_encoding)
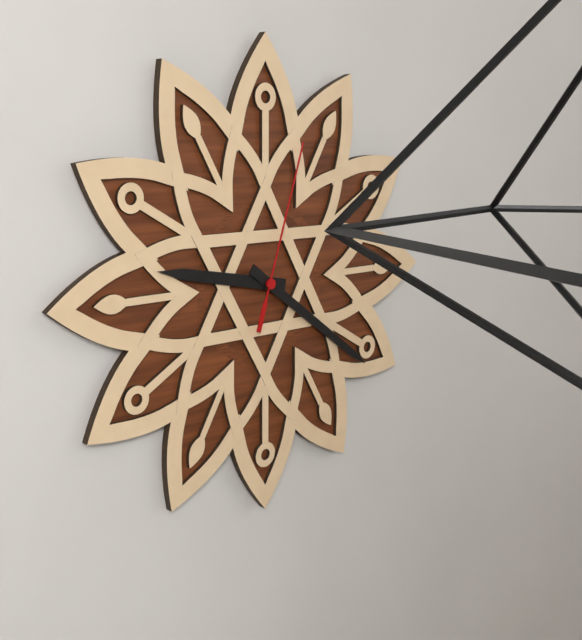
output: h=9 m=21 s=3
